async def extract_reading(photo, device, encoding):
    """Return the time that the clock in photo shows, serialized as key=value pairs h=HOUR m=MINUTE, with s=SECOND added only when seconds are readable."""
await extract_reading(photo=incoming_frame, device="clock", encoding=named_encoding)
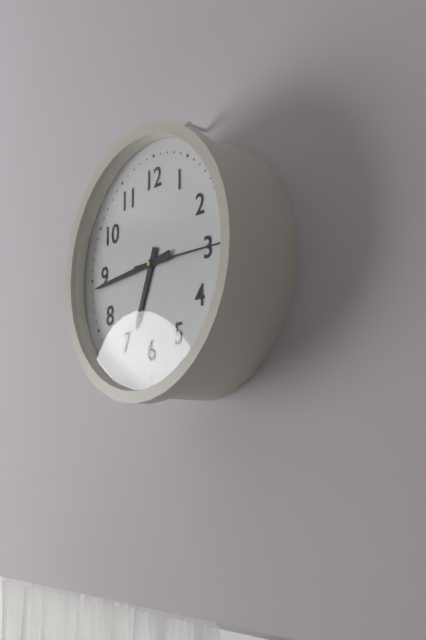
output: h=6 m=44
